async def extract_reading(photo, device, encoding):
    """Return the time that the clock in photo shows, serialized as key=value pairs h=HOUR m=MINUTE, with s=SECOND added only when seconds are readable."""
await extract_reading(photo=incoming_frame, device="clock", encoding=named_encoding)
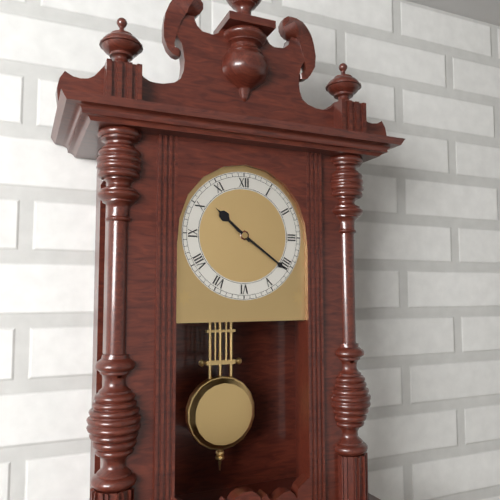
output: h=10 m=21
